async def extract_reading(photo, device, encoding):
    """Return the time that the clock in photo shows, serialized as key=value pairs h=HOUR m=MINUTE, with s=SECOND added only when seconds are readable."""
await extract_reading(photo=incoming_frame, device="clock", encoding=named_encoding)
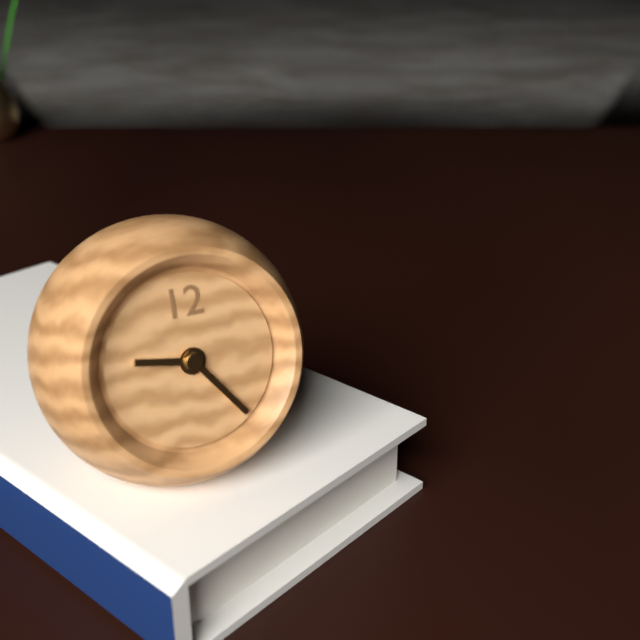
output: h=9 m=24
